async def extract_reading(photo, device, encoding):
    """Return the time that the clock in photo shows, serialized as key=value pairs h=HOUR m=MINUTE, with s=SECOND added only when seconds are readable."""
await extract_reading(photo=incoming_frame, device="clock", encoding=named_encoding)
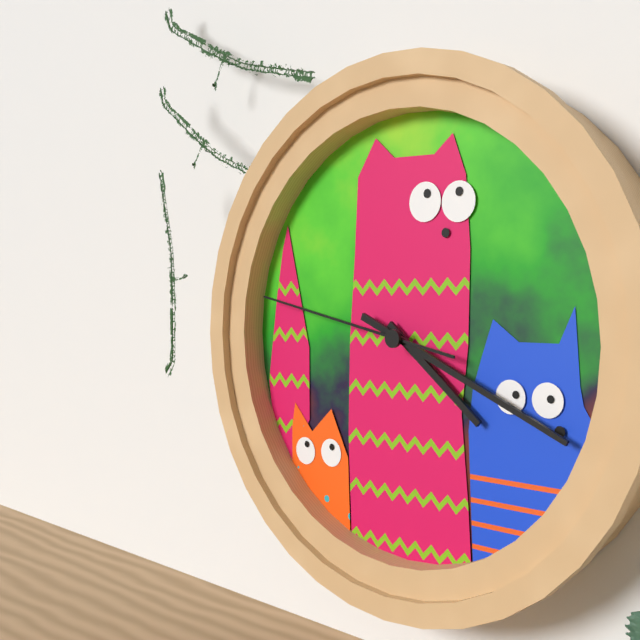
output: h=4 m=19 s=47
